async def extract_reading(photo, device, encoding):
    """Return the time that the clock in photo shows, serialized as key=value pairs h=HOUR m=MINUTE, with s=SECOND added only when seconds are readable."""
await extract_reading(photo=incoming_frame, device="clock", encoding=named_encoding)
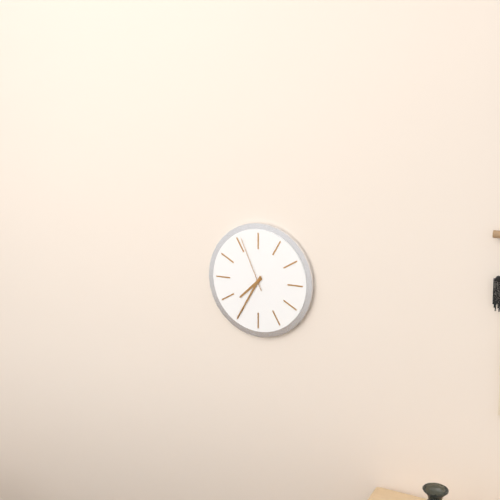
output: h=7 m=35 s=56
